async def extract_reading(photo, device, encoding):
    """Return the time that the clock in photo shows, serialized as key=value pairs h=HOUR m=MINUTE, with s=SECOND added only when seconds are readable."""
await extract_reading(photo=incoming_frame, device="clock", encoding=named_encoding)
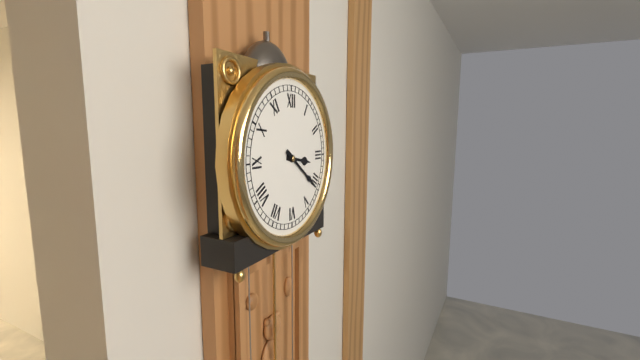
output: h=3 m=21
